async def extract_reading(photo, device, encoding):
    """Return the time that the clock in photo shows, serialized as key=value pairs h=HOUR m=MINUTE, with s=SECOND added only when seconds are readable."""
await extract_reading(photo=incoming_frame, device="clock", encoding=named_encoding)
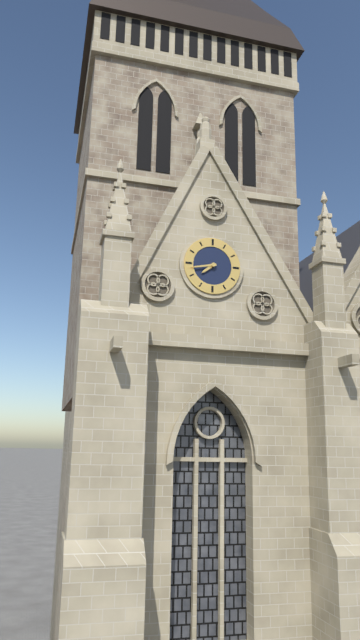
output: h=7 m=43
